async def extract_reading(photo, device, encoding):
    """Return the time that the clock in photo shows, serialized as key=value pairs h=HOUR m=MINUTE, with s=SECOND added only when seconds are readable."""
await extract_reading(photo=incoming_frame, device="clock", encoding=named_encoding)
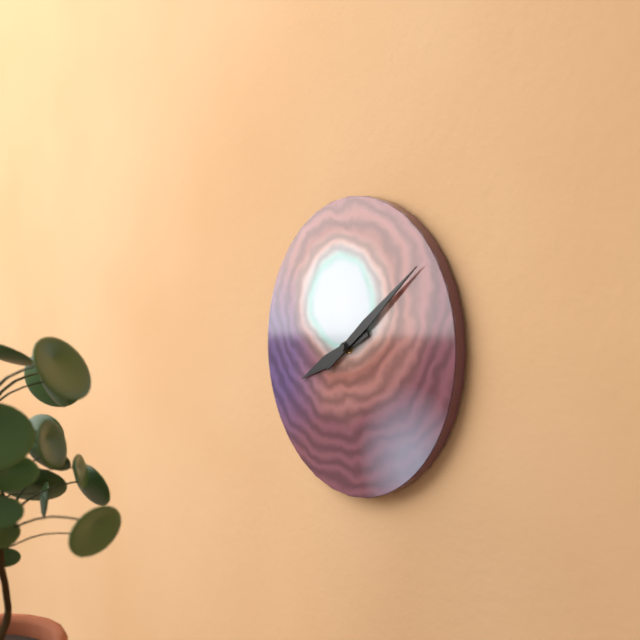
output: h=8 m=9
